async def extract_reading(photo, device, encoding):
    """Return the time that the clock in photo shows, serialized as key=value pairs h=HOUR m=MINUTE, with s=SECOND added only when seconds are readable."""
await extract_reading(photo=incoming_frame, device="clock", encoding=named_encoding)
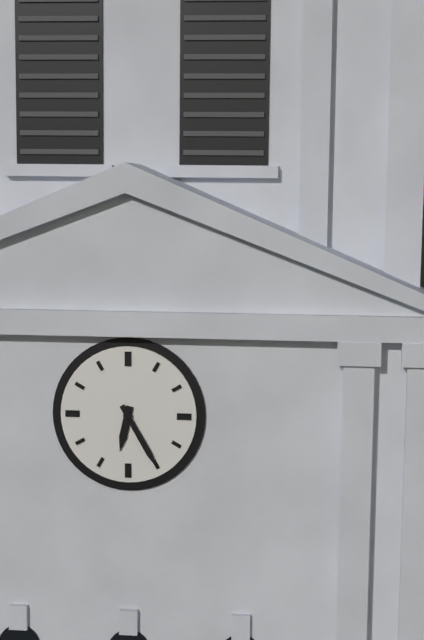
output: h=6 m=25
